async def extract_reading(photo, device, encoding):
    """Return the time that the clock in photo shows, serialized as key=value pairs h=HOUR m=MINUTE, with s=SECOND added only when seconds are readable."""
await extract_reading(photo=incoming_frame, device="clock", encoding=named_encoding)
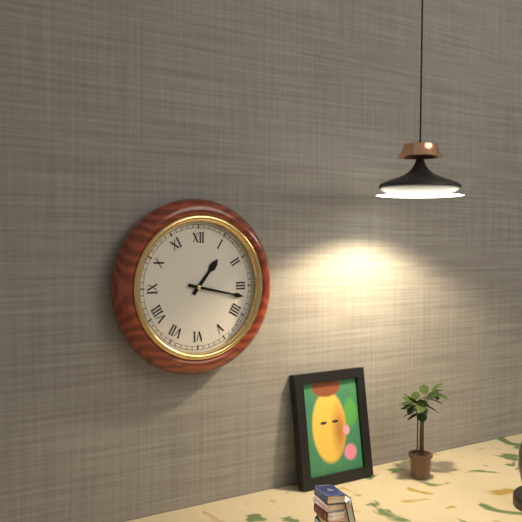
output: h=1 m=17
